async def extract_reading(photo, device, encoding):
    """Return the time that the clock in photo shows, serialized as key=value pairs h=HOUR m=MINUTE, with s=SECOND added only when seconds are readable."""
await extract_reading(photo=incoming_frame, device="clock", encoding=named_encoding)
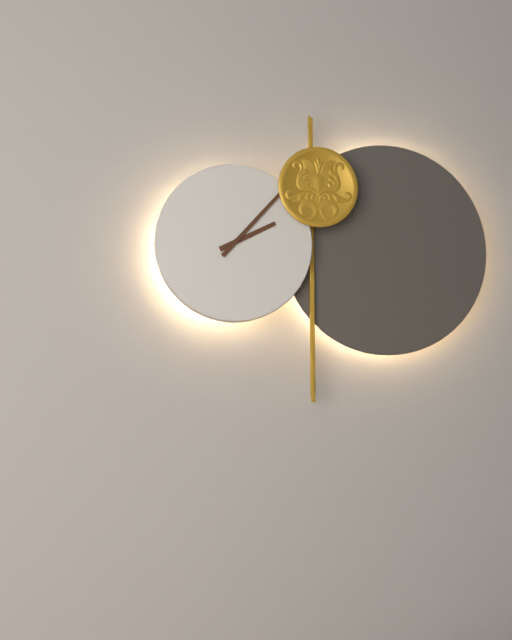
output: h=2 m=7
